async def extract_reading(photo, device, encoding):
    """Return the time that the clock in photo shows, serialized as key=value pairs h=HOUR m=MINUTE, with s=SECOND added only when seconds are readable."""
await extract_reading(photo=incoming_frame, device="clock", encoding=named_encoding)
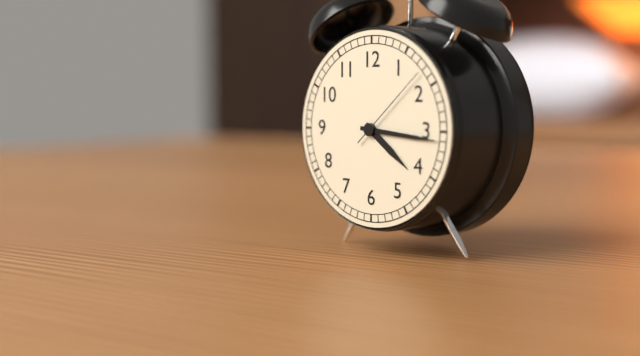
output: h=4 m=16 s=8
